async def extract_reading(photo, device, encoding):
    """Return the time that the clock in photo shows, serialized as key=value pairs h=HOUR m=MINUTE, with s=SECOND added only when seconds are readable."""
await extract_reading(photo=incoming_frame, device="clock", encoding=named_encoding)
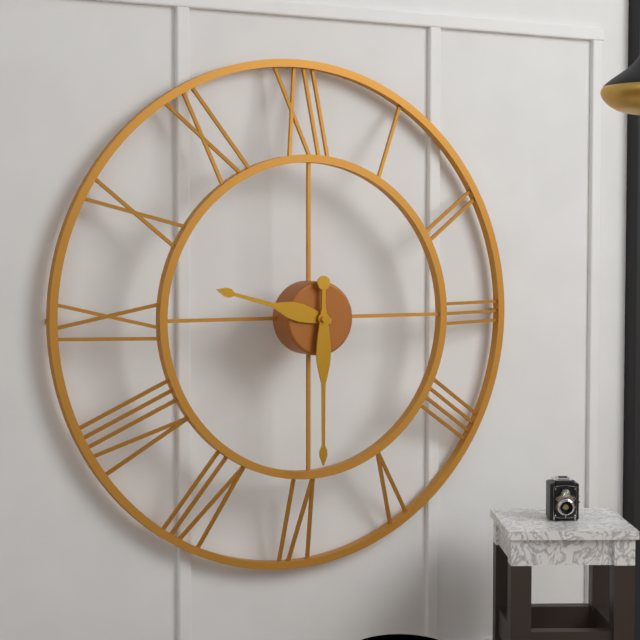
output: h=9 m=30
